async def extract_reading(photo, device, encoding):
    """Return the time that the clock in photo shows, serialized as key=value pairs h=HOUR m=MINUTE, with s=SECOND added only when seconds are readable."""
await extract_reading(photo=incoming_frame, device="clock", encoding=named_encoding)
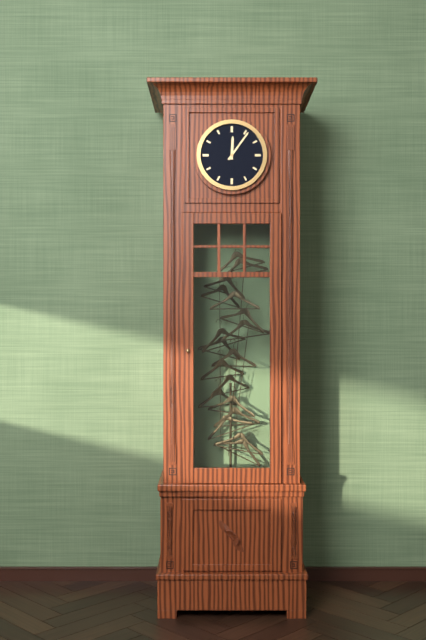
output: h=12 m=6
